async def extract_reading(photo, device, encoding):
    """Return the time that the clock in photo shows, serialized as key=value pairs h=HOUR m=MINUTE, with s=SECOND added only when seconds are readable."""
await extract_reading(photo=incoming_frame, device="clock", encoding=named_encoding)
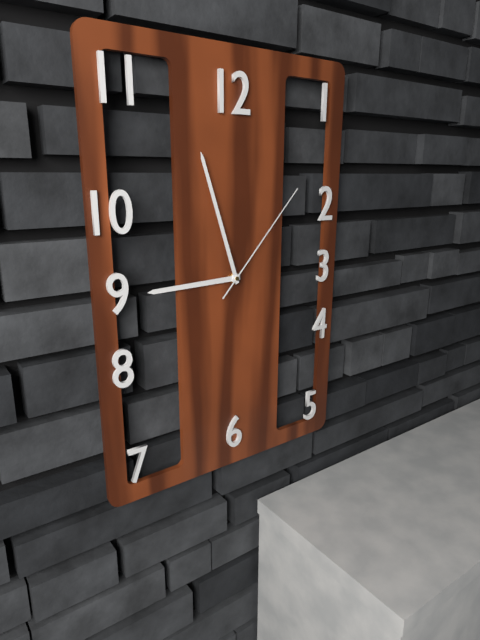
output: h=8 m=57 s=7
